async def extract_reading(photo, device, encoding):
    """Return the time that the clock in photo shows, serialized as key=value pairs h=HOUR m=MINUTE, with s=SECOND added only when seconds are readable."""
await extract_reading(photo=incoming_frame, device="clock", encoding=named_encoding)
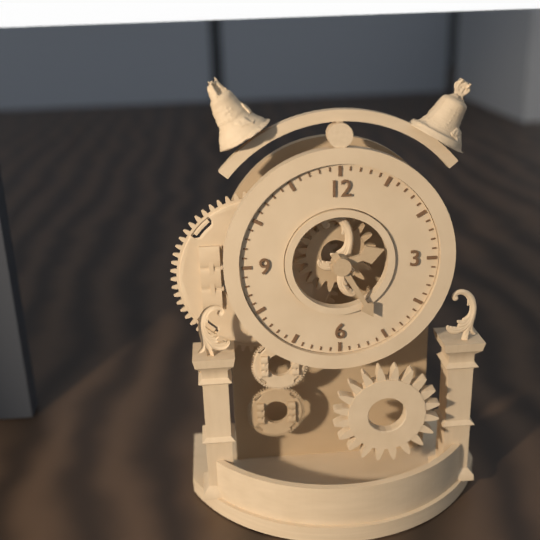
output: h=2 m=25
